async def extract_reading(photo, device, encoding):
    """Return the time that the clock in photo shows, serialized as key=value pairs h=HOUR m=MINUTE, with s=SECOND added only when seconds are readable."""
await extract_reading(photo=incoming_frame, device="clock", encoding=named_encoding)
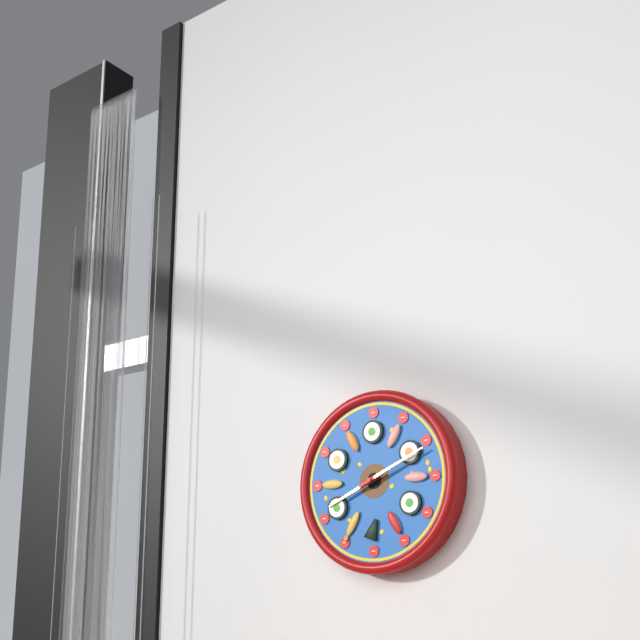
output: h=8 m=11
